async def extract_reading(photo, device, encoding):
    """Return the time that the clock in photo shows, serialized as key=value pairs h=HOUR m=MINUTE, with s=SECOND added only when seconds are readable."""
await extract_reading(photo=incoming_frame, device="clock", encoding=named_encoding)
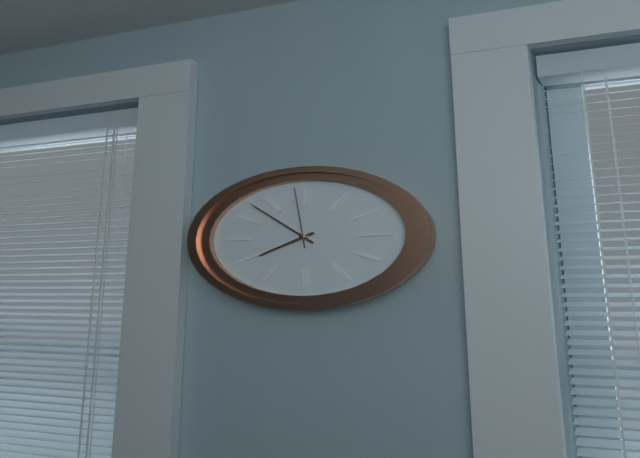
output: h=7 m=53 s=59
